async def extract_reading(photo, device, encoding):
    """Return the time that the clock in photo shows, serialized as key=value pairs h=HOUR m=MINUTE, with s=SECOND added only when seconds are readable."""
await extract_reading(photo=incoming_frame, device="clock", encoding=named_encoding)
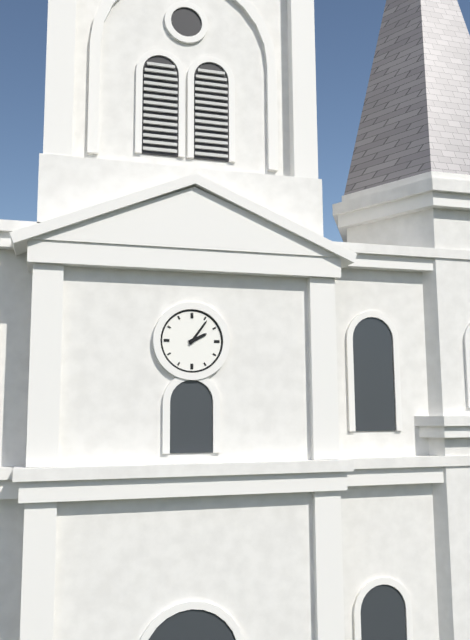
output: h=2 m=6
